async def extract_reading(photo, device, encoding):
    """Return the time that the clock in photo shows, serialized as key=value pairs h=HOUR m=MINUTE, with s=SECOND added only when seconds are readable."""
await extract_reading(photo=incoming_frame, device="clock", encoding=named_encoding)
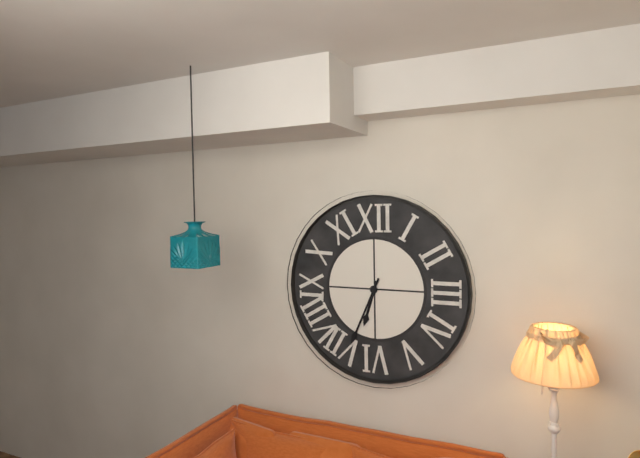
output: h=6 m=34
